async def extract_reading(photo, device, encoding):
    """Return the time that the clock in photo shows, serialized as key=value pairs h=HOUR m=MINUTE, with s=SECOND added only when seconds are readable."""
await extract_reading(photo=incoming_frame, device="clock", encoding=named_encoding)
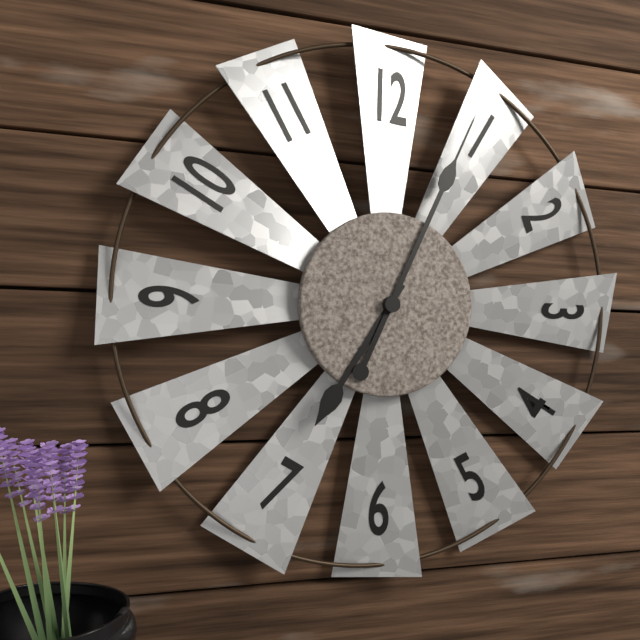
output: h=7 m=4
